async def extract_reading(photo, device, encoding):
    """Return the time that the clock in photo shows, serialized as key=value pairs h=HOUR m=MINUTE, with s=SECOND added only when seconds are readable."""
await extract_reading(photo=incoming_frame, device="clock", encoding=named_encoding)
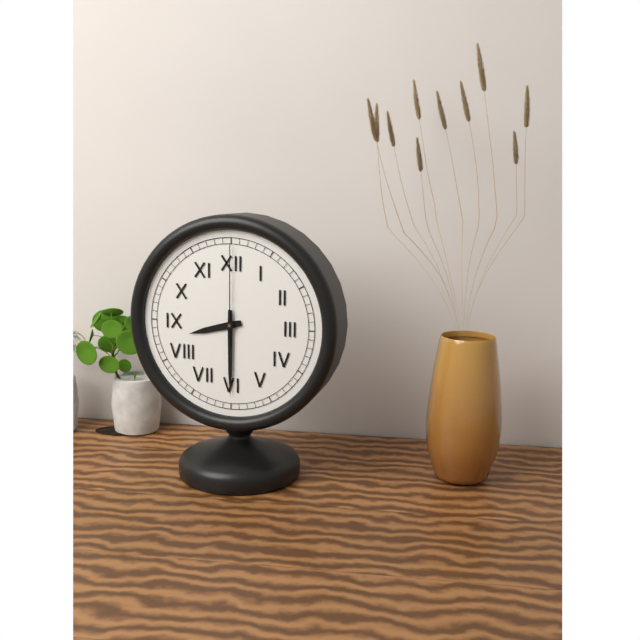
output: h=8 m=30 s=0
